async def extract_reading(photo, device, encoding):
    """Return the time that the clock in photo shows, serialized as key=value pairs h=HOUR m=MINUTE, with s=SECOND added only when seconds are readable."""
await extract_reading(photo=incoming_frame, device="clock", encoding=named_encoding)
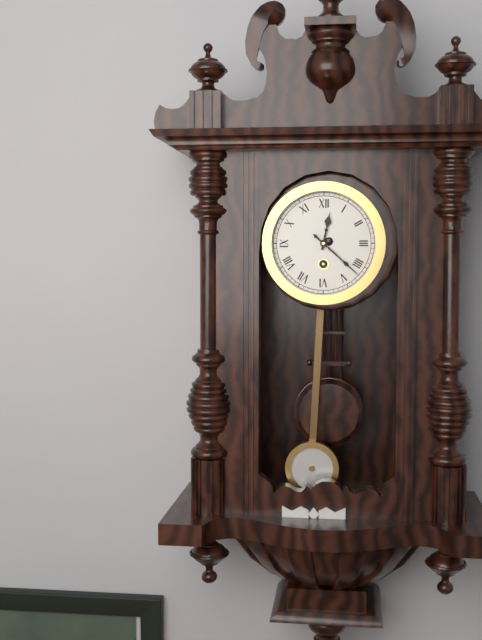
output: h=12 m=22
